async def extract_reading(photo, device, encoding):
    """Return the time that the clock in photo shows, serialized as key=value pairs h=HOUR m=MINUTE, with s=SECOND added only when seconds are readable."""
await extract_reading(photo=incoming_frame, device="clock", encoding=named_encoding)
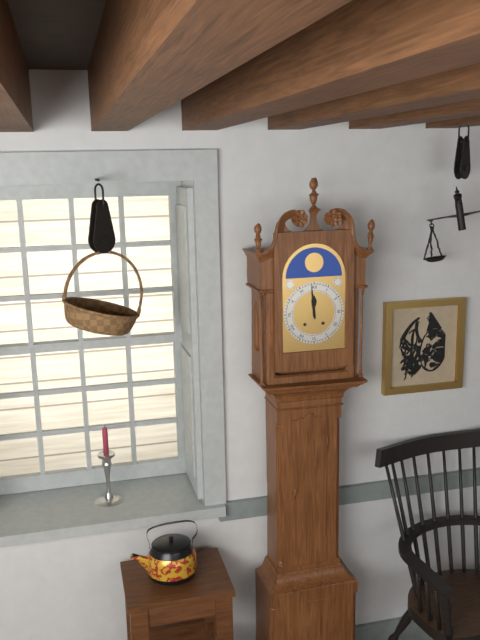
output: h=11 m=59
